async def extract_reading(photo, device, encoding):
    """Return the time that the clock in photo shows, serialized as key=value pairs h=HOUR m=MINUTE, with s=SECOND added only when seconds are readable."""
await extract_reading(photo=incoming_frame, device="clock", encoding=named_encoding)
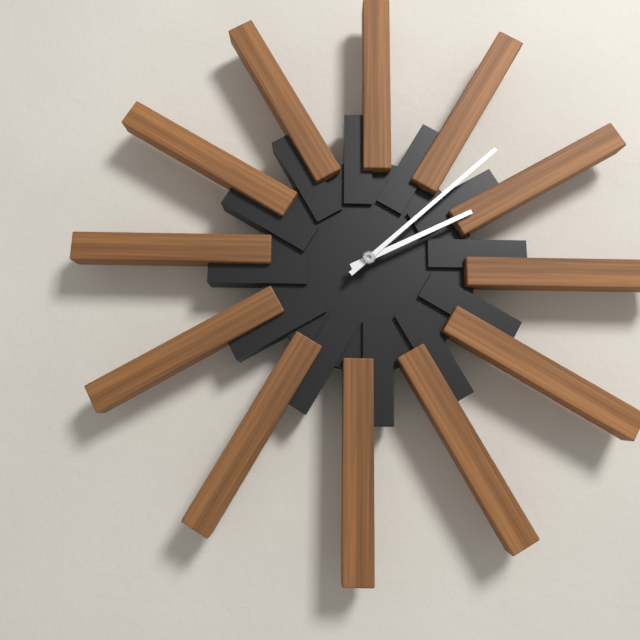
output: h=2 m=8
